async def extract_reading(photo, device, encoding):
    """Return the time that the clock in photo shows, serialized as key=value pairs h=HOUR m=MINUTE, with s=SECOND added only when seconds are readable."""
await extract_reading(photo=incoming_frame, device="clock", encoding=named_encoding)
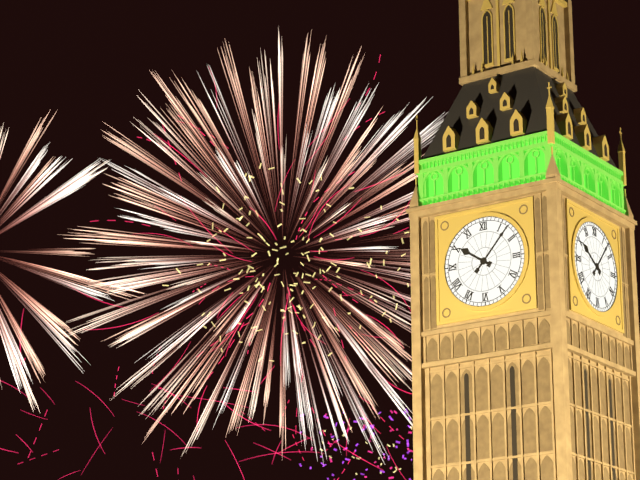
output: h=10 m=7
